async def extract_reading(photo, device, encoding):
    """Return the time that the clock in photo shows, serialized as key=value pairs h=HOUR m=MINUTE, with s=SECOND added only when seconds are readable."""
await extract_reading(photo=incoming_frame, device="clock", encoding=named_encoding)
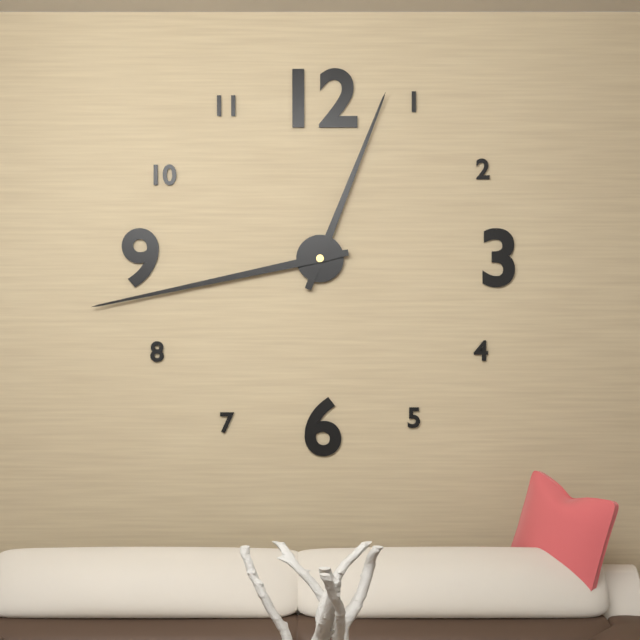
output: h=12 m=43
